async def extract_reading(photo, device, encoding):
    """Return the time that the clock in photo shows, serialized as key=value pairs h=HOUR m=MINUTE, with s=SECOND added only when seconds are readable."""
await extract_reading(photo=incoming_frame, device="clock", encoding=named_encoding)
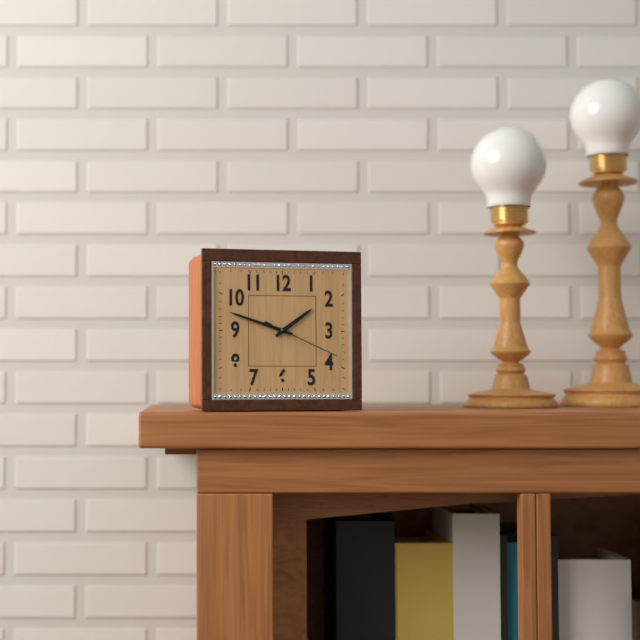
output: h=1 m=48 s=19
